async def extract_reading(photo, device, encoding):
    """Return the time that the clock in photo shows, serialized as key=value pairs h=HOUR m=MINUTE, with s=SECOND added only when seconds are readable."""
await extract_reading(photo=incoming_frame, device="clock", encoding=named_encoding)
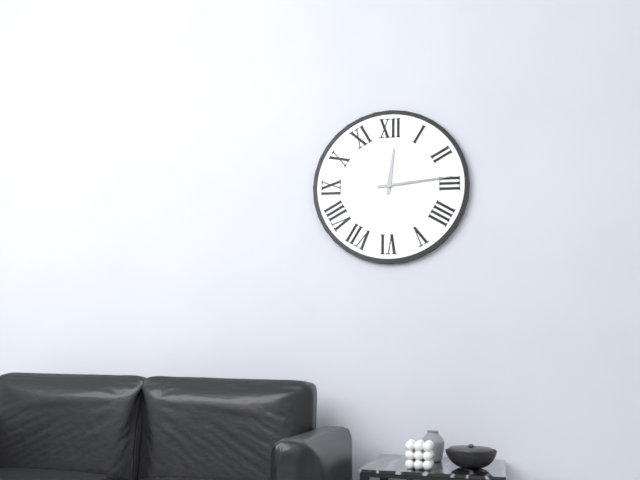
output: h=12 m=14
